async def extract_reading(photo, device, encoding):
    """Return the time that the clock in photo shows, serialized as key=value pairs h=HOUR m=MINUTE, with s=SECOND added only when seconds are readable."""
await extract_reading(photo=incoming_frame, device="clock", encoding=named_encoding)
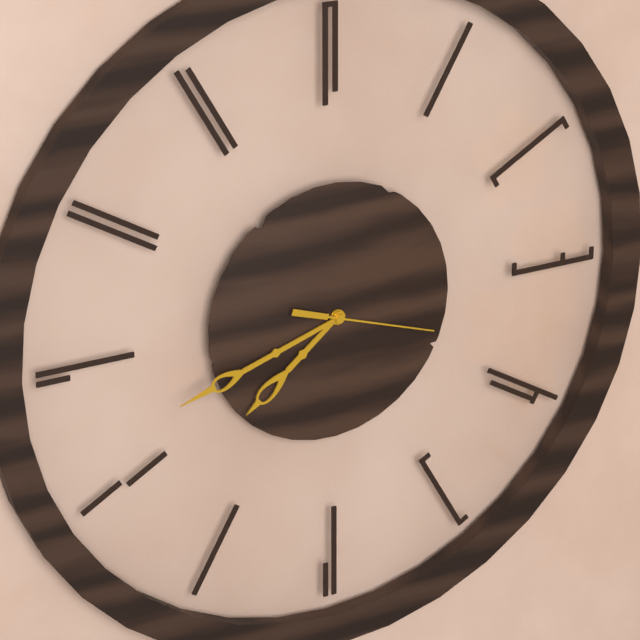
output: h=7 m=42 s=18
